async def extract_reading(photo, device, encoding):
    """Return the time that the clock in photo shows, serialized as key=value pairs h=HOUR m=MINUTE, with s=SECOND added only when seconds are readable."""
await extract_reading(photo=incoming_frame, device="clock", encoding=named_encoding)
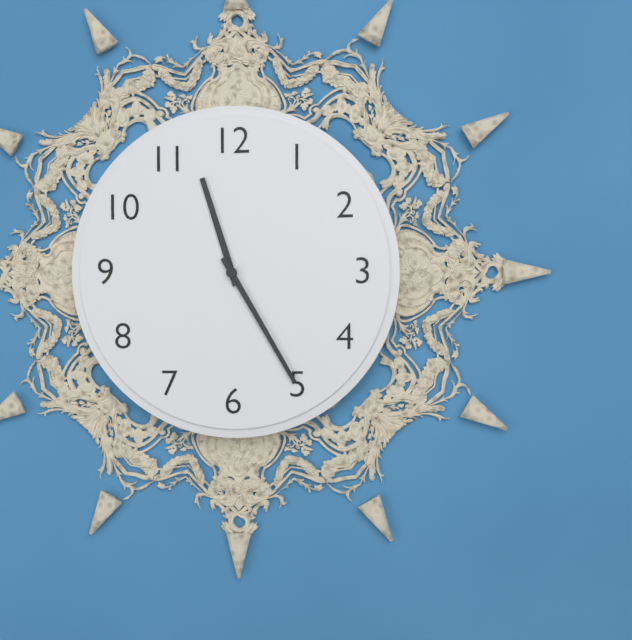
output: h=11 m=25
